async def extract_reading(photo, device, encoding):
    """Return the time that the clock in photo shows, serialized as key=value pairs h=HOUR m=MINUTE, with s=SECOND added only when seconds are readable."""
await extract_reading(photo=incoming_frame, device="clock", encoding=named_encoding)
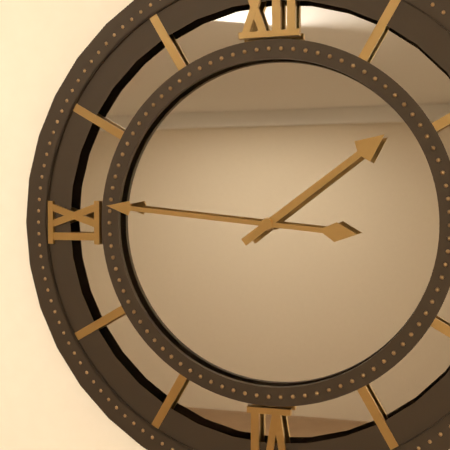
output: h=1 m=46
